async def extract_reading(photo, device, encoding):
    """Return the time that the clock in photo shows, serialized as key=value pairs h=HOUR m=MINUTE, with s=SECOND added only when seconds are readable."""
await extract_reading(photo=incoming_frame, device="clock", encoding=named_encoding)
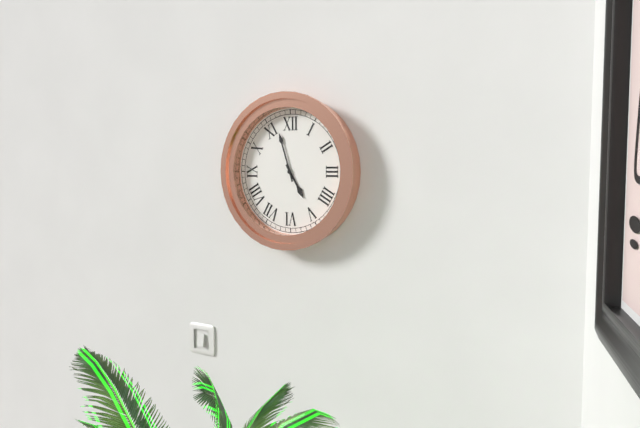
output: h=4 m=57
